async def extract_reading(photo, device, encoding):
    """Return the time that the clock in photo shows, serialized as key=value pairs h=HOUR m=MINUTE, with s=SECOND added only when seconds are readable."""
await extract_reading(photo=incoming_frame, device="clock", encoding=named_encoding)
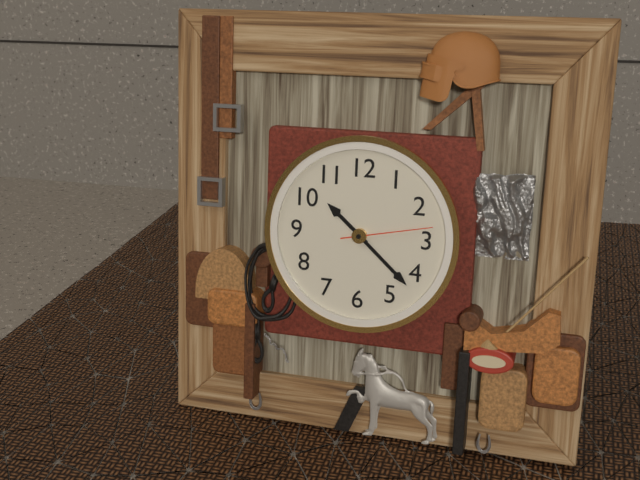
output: h=10 m=22 s=13
